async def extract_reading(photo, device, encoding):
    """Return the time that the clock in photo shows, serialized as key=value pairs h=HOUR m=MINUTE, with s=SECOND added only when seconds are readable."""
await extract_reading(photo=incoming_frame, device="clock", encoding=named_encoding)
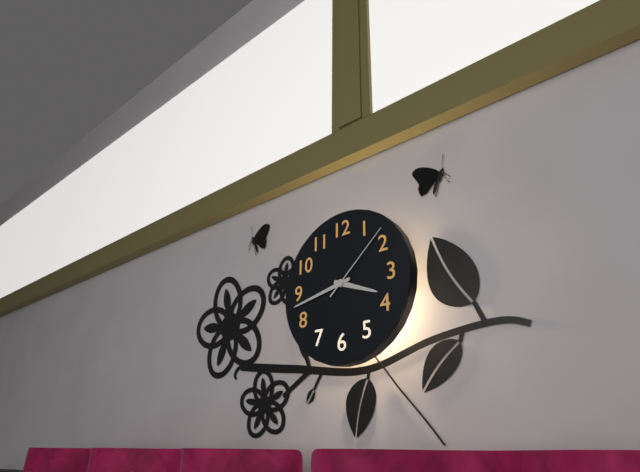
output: h=3 m=43 s=8
